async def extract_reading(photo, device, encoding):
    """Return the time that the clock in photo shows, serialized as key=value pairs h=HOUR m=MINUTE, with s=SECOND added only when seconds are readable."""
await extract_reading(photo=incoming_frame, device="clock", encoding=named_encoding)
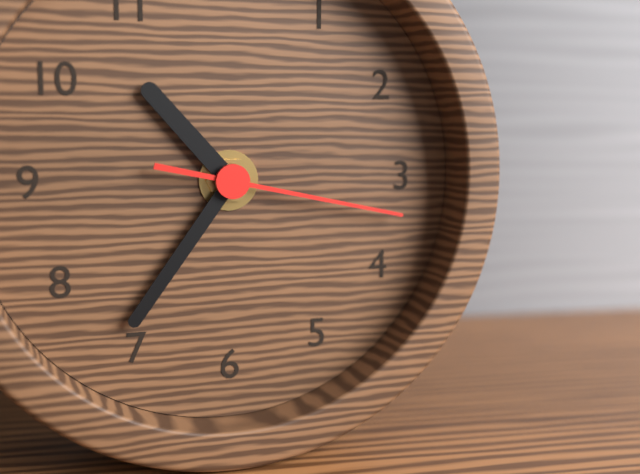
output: h=10 m=36 s=17
